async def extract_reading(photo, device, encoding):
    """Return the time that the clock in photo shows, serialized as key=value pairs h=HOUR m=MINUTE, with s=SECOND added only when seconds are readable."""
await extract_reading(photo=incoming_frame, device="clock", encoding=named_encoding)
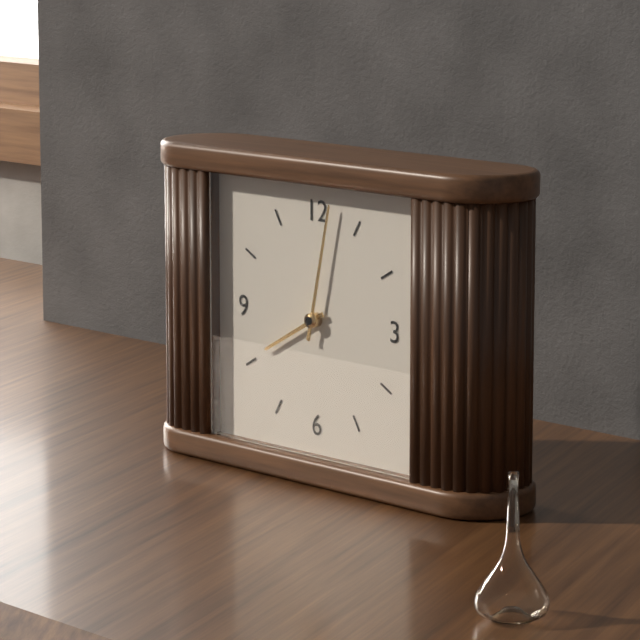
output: h=8 m=2
